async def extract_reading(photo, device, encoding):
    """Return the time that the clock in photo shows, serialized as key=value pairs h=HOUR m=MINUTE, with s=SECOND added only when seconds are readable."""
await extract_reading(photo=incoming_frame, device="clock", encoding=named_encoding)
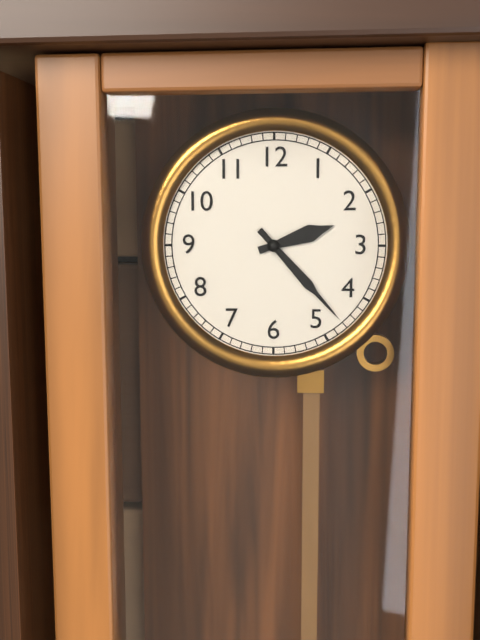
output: h=2 m=23
